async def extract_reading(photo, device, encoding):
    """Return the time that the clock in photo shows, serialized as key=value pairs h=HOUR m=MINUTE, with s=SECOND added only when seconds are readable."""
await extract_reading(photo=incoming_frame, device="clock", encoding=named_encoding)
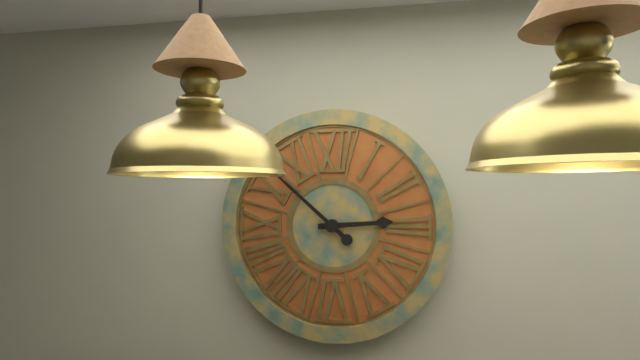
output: h=2 m=52
